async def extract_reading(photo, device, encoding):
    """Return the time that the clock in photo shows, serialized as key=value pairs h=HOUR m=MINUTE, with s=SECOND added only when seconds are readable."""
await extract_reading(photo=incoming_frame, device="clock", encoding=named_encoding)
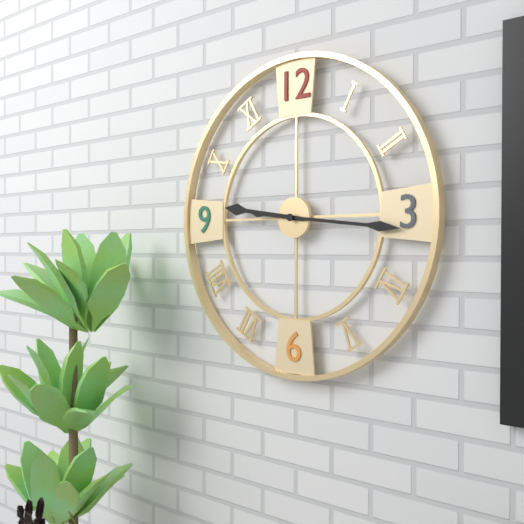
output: h=9 m=16
